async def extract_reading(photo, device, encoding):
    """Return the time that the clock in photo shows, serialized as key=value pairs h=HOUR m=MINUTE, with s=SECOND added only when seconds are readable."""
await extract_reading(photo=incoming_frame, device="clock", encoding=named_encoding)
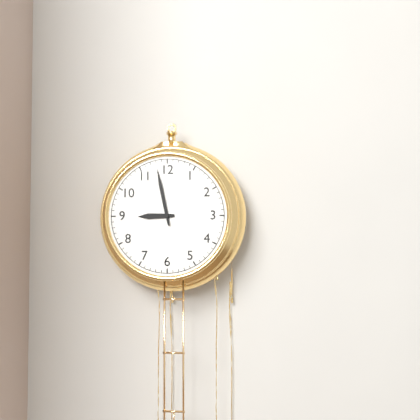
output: h=8 m=58
